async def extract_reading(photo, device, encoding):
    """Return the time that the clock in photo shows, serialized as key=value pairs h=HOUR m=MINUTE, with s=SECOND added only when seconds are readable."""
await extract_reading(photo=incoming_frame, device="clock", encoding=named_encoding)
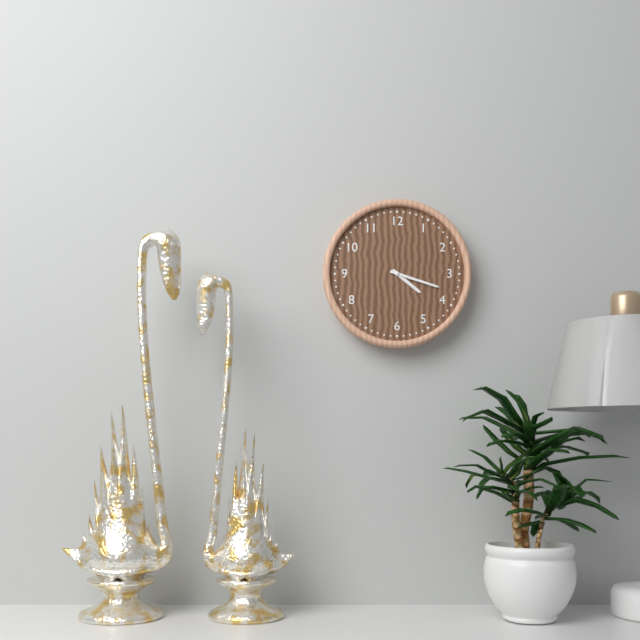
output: h=4 m=18
